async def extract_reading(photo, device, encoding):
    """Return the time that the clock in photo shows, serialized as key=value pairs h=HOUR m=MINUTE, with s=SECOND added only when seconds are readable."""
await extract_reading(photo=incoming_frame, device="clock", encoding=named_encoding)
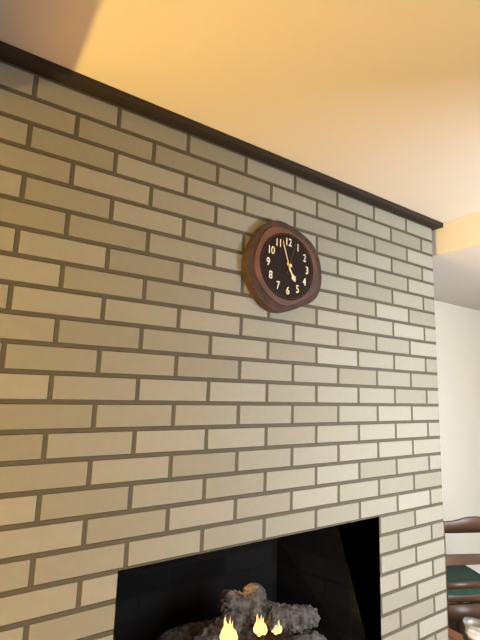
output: h=4 m=57
